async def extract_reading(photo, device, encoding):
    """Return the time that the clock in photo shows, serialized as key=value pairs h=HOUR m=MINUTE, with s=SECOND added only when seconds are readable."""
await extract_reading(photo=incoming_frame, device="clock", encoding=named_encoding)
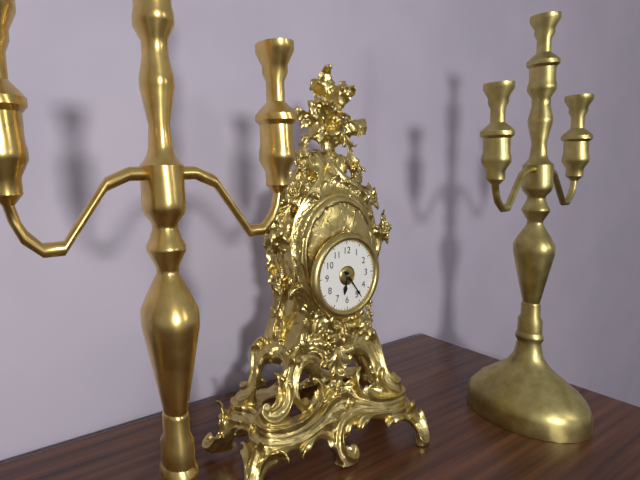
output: h=6 m=24
